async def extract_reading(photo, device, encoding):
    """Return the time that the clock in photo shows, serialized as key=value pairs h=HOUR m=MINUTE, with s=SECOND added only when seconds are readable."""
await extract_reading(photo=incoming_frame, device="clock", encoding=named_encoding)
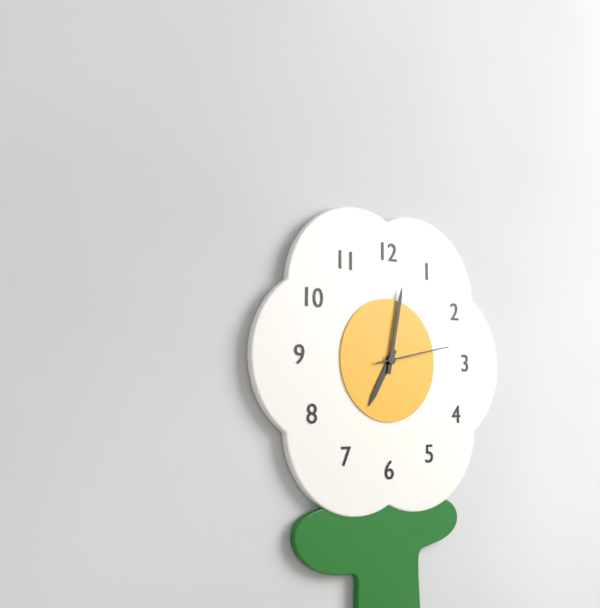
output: h=7 m=2 s=13
